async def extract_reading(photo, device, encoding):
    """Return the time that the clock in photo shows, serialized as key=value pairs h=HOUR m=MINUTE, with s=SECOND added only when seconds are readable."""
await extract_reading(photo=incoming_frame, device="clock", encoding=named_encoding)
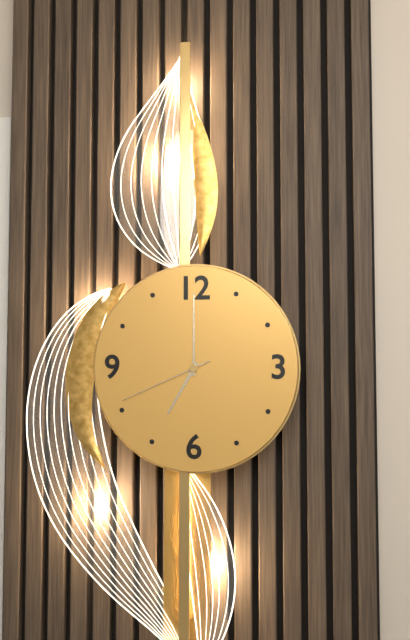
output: h=7 m=0 s=41
